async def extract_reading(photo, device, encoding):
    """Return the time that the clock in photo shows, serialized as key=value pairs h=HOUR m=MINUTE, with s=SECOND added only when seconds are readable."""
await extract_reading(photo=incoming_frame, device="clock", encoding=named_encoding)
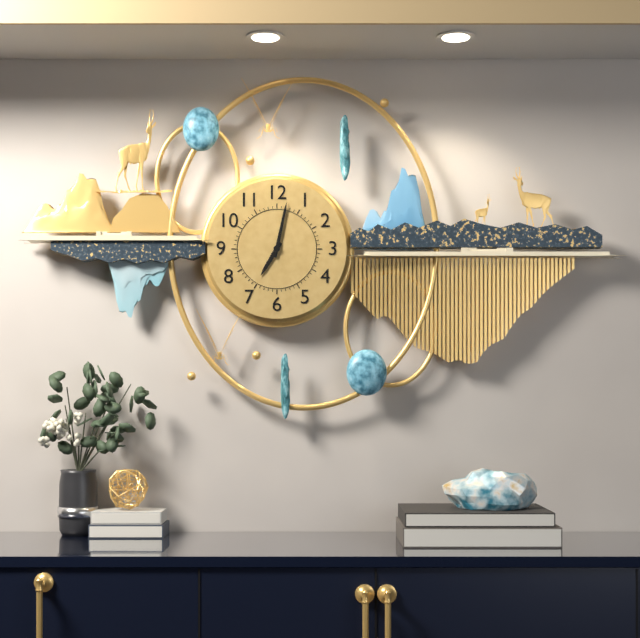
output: h=7 m=2
